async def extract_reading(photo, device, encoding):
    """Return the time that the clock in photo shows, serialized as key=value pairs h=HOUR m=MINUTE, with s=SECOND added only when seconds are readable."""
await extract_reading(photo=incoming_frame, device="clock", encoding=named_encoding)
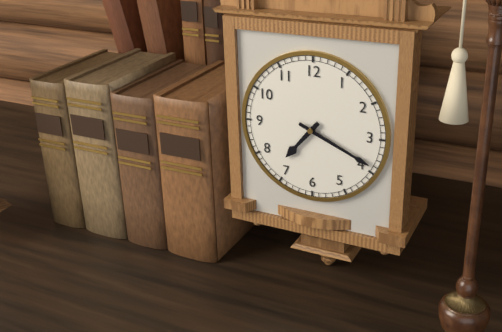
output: h=7 m=19
